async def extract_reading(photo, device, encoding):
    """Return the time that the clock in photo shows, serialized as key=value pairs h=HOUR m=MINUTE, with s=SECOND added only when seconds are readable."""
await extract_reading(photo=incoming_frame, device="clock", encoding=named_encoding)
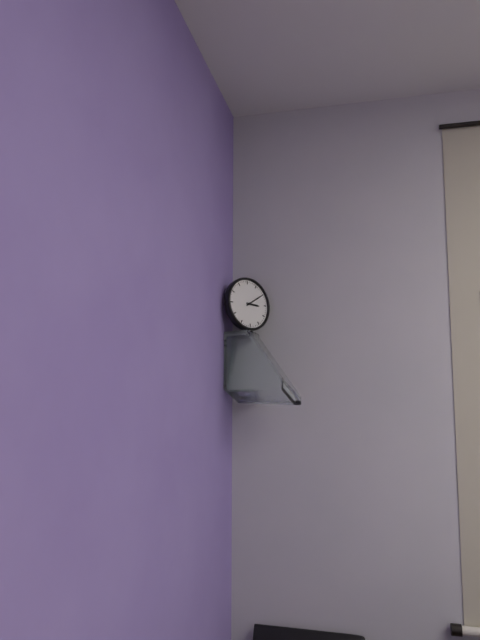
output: h=3 m=10
